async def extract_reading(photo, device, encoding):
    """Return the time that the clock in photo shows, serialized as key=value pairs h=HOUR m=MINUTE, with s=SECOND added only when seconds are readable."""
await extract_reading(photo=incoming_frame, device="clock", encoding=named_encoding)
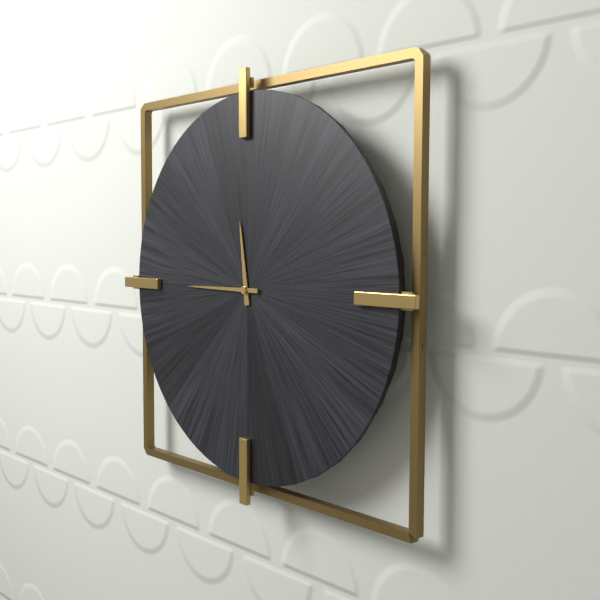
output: h=11 m=45
